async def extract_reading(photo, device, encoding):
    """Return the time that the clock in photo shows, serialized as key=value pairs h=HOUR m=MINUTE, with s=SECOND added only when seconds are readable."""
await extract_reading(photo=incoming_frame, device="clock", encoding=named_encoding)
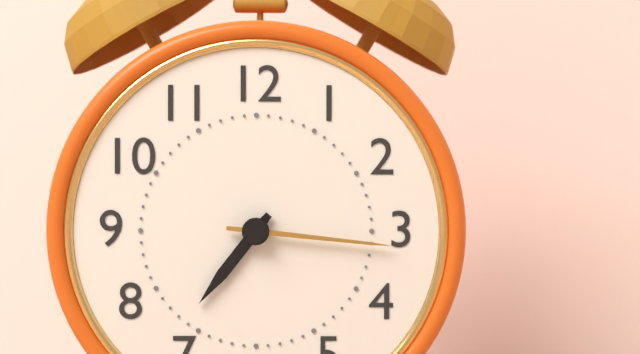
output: h=7 m=16
